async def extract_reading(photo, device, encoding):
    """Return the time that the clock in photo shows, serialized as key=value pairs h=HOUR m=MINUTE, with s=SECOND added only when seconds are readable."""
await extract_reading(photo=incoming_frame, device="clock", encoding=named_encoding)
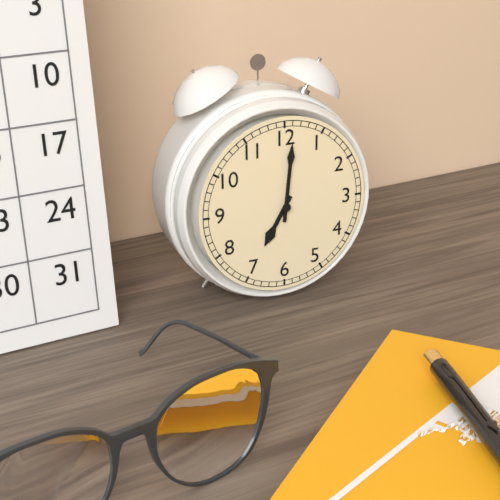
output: h=7 m=1
